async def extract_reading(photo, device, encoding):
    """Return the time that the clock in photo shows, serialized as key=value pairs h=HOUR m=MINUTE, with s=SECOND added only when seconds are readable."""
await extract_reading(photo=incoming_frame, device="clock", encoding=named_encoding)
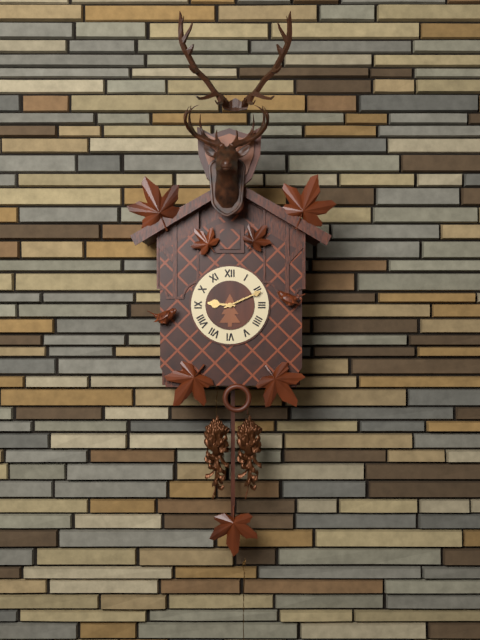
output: h=9 m=11
